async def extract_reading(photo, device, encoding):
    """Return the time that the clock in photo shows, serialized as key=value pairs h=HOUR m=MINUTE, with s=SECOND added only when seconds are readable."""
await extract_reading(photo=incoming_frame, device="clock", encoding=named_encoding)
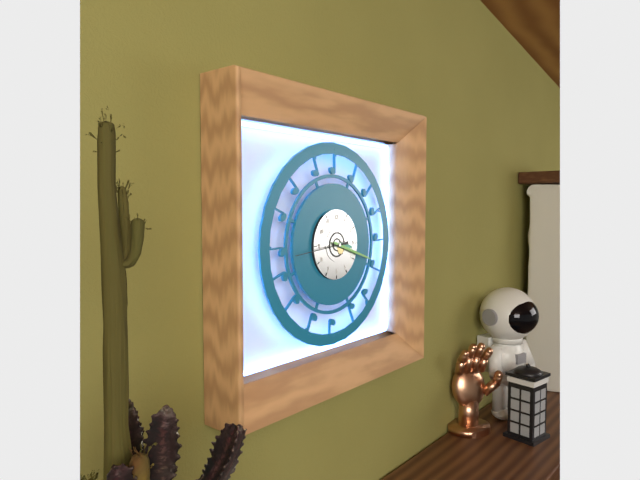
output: h=3 m=18 s=44
